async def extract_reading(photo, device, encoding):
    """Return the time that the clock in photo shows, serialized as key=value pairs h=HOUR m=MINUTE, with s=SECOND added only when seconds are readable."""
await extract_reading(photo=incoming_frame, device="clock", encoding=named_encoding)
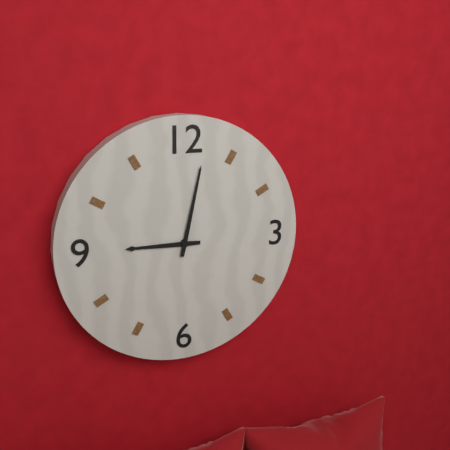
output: h=9 m=2
